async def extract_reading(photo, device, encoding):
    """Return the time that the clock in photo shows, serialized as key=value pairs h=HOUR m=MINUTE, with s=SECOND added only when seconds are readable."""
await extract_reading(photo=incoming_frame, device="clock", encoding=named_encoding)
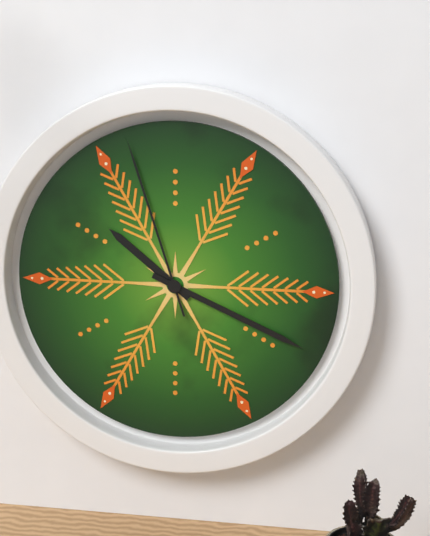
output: h=10 m=19 s=57
